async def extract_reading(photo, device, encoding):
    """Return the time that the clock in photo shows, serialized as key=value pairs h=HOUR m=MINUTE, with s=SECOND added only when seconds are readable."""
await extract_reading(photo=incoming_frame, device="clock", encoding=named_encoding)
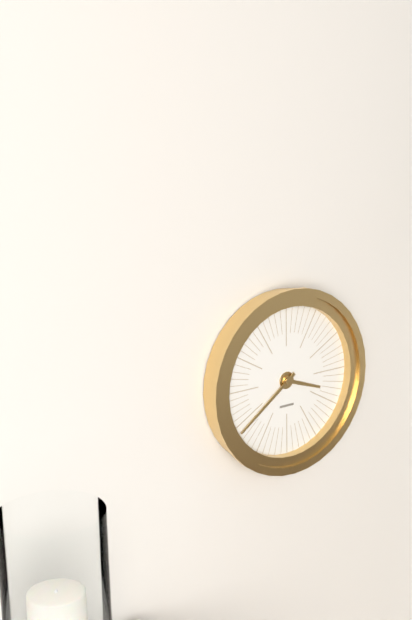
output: h=3 m=39
